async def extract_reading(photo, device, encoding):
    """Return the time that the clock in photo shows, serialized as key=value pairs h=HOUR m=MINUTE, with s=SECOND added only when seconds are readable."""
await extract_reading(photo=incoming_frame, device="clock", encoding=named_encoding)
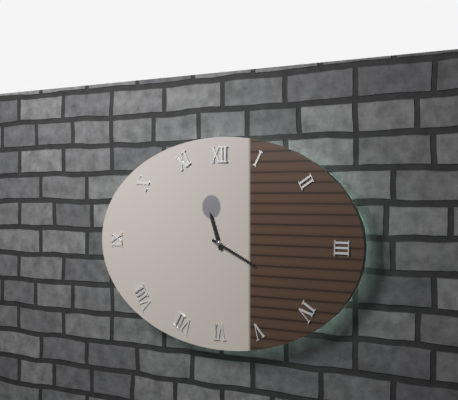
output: h=11 m=19
